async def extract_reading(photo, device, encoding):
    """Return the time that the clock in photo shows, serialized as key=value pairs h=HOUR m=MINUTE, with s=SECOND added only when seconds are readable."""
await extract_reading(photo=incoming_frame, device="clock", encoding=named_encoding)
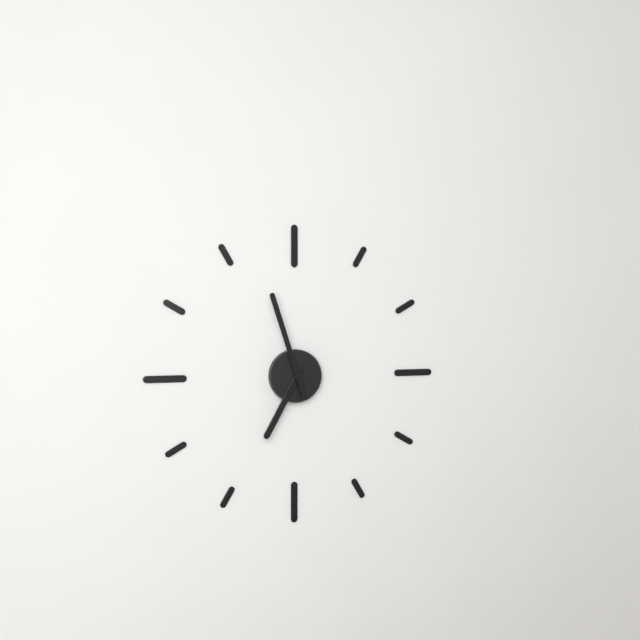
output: h=6 m=57
